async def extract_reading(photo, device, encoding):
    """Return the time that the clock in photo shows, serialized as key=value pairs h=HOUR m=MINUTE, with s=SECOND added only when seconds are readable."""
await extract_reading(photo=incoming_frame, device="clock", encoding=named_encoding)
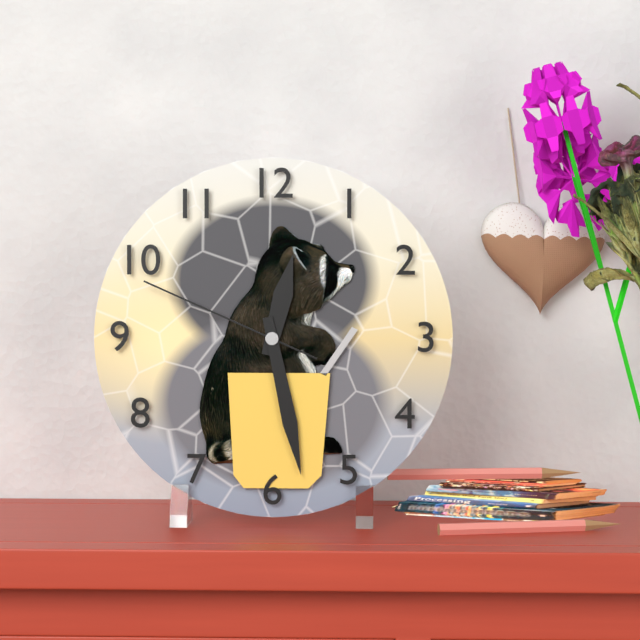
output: h=12 m=28 s=49
